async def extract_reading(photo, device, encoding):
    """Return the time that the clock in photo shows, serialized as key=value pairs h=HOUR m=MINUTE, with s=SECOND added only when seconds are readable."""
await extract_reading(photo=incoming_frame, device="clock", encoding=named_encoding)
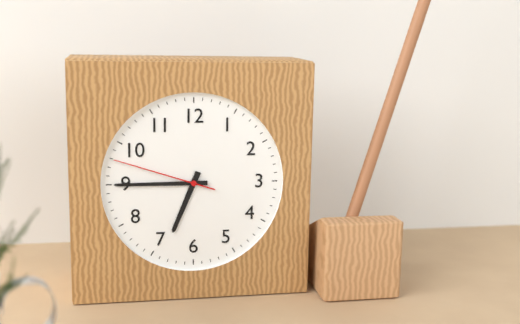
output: h=6 m=45 s=48
